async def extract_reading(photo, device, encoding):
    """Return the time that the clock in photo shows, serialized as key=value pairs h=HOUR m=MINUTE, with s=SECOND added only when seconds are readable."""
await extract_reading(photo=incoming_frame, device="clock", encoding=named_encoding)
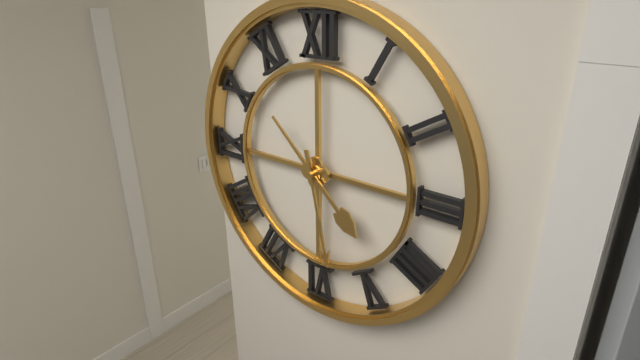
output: h=4 m=28
